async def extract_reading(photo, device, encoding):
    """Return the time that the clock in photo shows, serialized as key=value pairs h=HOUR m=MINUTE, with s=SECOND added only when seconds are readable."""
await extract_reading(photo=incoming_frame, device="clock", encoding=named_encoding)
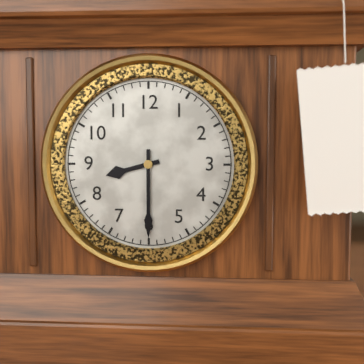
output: h=8 m=30
